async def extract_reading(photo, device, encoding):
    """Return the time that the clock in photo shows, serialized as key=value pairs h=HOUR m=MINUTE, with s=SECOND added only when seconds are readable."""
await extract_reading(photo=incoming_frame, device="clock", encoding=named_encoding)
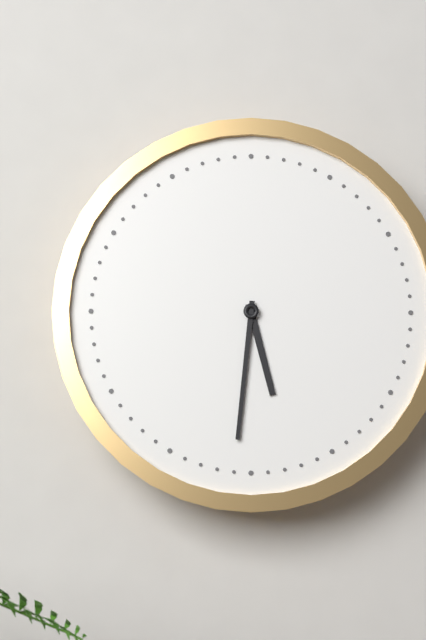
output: h=5 m=31
